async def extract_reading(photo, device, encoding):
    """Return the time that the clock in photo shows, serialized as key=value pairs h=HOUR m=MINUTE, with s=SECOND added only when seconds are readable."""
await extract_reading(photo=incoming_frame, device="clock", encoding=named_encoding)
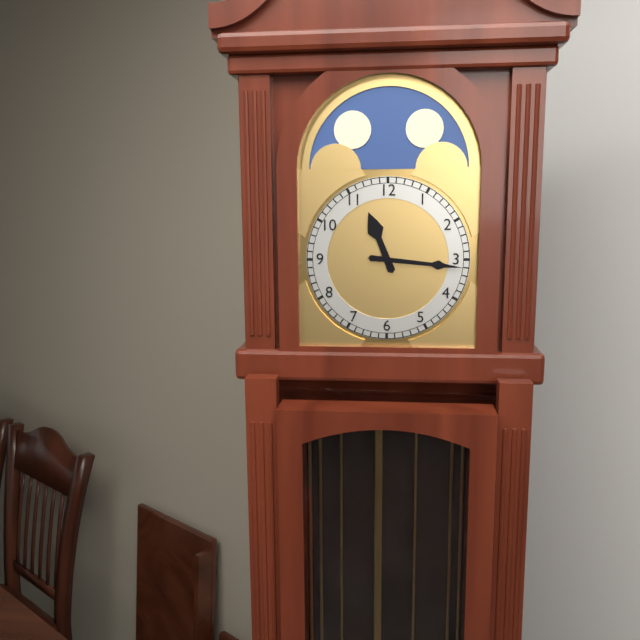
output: h=11 m=16
